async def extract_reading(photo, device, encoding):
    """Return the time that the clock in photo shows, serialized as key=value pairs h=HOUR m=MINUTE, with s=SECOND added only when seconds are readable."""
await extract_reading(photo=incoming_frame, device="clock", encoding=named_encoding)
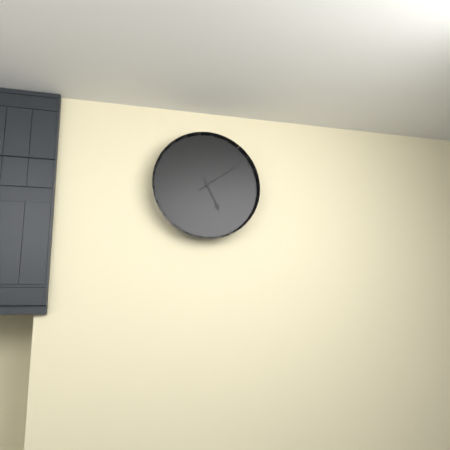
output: h=5 m=9
